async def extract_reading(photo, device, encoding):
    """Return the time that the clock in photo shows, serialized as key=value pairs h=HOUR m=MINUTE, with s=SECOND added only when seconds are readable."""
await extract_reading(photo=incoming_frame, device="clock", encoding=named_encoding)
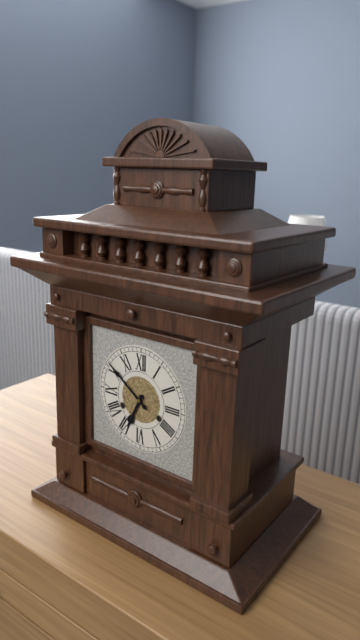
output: h=6 m=51
